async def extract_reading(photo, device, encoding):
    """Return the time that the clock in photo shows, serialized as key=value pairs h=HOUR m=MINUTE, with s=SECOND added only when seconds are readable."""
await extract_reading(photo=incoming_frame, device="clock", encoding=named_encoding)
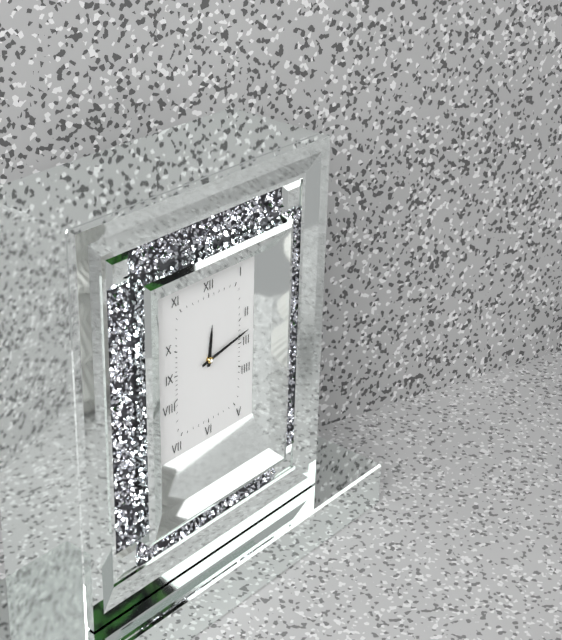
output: h=12 m=13
